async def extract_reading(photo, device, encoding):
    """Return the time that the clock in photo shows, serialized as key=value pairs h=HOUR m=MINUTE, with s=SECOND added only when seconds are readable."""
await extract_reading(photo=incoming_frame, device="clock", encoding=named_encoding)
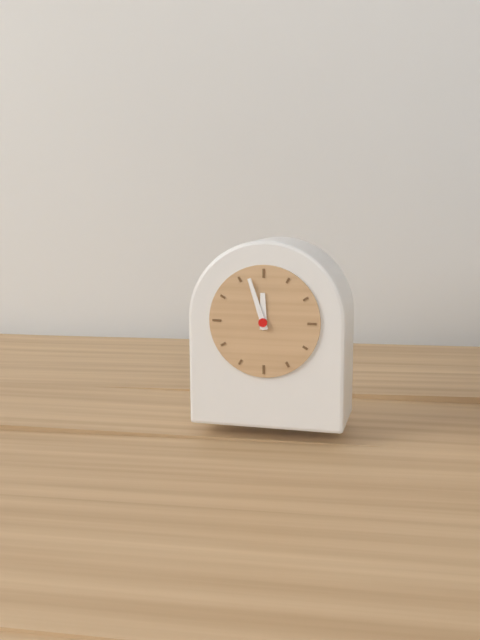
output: h=11 m=57
